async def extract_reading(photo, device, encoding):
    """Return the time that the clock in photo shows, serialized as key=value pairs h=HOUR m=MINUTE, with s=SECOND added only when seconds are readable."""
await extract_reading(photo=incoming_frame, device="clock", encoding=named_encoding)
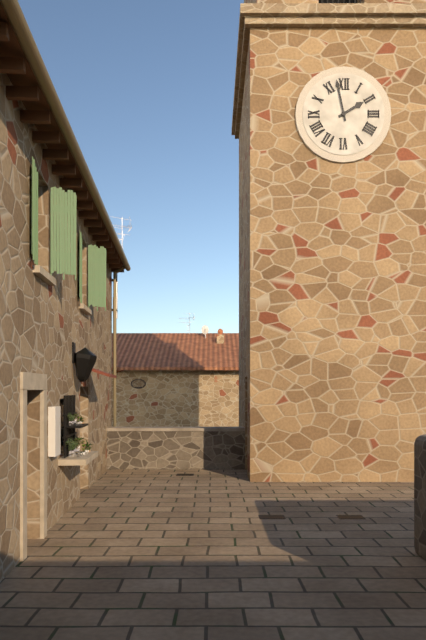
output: h=1 m=58
